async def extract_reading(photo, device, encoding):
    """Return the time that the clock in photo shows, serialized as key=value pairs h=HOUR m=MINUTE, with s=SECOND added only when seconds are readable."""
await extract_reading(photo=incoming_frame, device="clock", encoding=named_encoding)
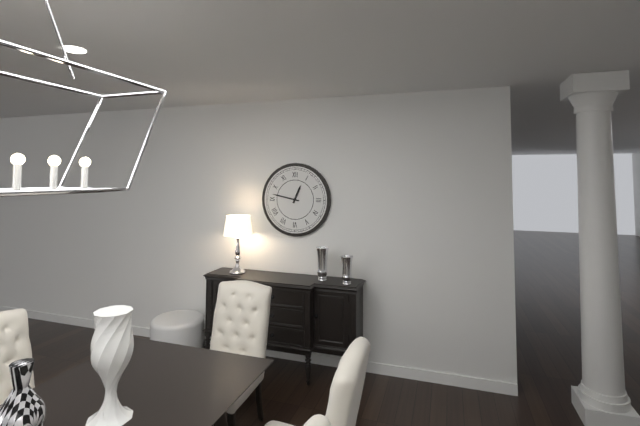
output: h=12 m=47
